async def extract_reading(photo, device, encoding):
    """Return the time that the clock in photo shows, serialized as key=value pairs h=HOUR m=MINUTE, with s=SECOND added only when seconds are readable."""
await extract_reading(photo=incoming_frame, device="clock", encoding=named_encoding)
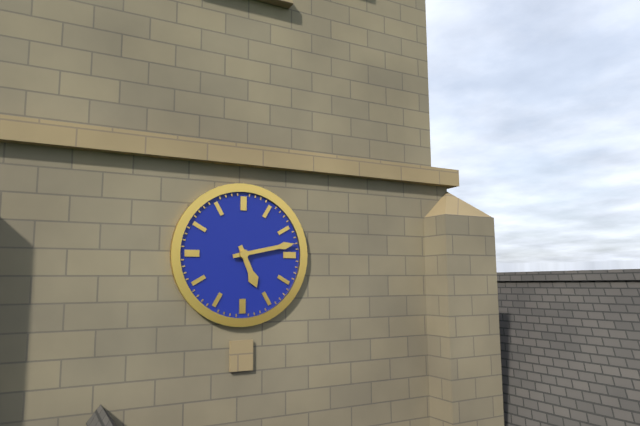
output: h=5 m=13
